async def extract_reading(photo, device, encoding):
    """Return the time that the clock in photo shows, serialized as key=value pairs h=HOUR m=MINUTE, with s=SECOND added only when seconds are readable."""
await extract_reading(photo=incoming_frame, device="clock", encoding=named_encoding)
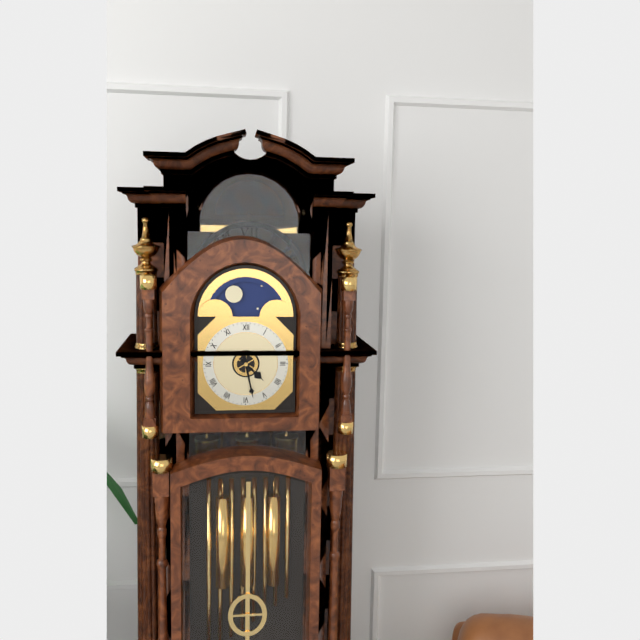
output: h=4 m=28
